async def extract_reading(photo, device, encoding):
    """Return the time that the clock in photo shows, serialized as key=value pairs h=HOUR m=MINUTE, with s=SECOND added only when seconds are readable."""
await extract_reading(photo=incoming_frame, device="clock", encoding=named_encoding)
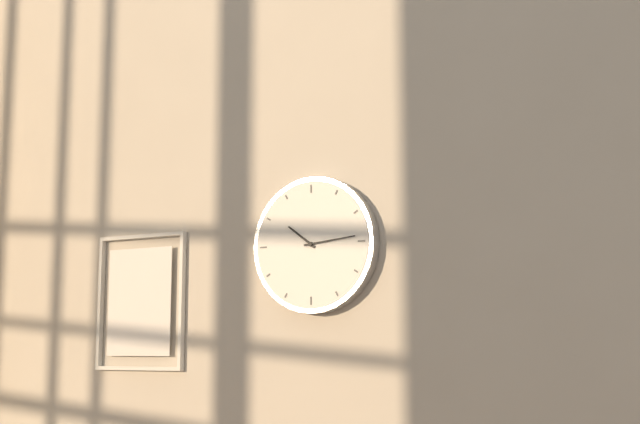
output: h=10 m=14
